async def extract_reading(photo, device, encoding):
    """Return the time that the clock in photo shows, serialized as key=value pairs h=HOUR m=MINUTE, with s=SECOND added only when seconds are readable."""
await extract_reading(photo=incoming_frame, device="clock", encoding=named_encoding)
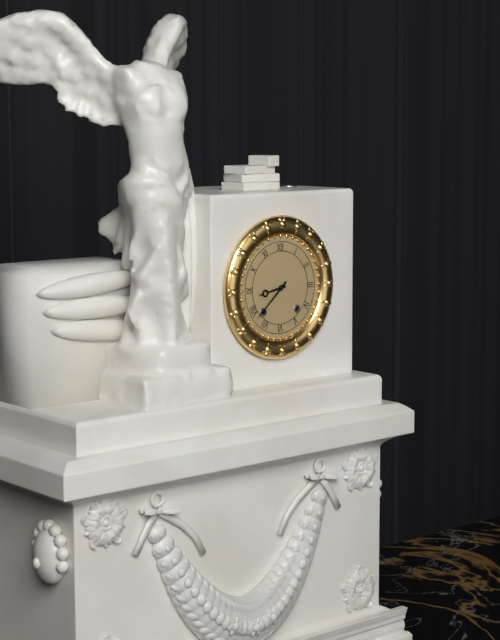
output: h=8 m=38
